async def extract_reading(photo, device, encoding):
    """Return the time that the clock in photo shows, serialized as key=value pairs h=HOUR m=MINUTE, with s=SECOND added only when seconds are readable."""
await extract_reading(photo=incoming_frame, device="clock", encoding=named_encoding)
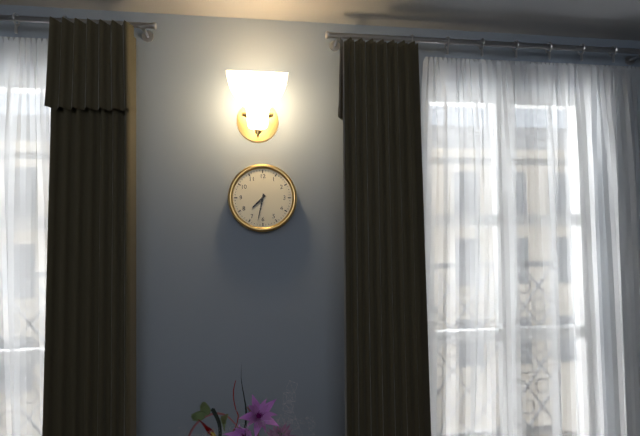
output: h=7 m=32
